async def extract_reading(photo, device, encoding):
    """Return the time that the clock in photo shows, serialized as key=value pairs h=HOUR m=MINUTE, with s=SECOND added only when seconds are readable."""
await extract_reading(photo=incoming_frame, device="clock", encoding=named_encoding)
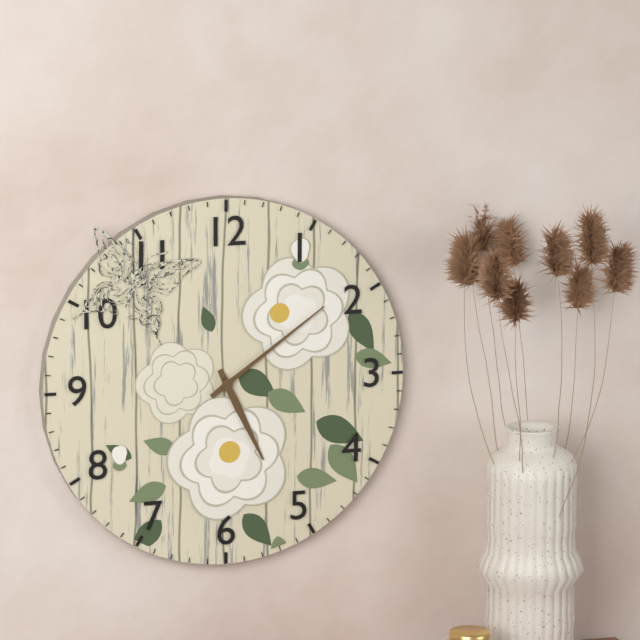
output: h=5 m=9
